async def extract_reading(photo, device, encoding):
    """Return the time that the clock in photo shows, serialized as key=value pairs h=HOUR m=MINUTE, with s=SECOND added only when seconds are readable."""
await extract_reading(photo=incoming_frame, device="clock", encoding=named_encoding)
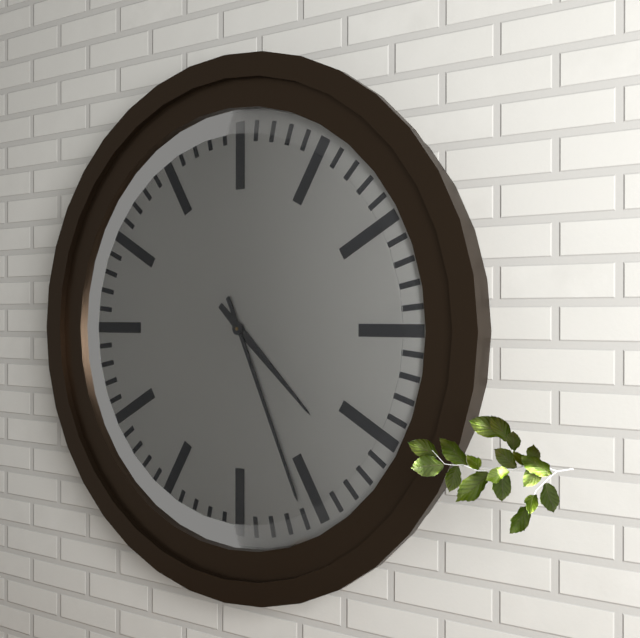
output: h=4 m=26
